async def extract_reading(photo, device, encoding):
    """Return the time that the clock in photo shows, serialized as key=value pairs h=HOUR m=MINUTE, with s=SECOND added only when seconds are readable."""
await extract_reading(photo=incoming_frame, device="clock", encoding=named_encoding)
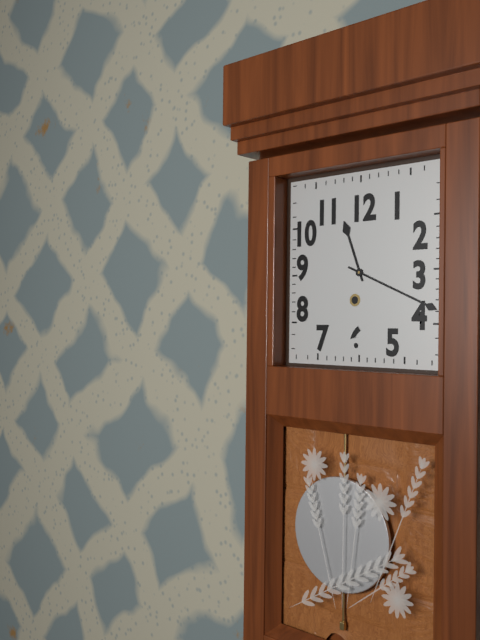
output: h=11 m=19
